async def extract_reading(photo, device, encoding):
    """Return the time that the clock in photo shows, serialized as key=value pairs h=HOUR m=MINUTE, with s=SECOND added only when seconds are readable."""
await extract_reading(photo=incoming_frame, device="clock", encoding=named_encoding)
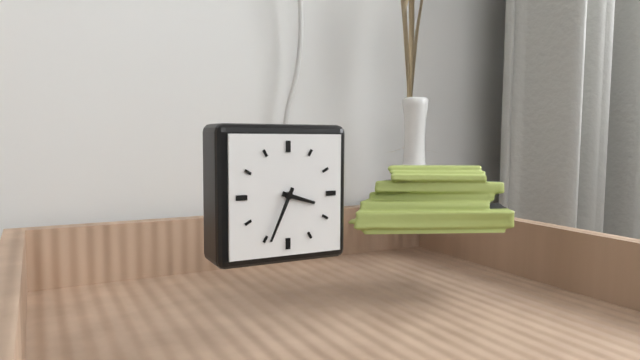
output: h=3 m=34
